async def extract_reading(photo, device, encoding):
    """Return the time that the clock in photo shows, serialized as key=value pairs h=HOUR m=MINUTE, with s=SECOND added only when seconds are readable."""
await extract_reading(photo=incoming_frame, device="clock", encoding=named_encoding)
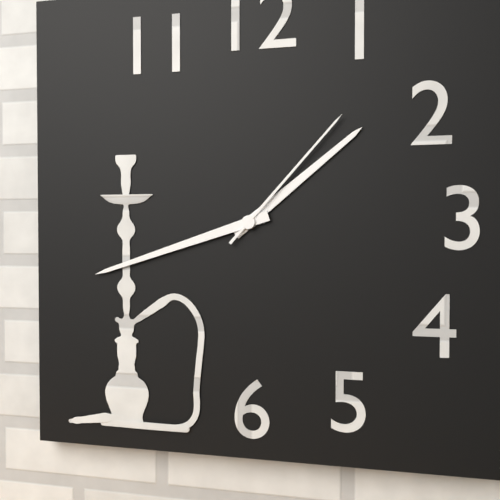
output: h=1 m=42 s=7
